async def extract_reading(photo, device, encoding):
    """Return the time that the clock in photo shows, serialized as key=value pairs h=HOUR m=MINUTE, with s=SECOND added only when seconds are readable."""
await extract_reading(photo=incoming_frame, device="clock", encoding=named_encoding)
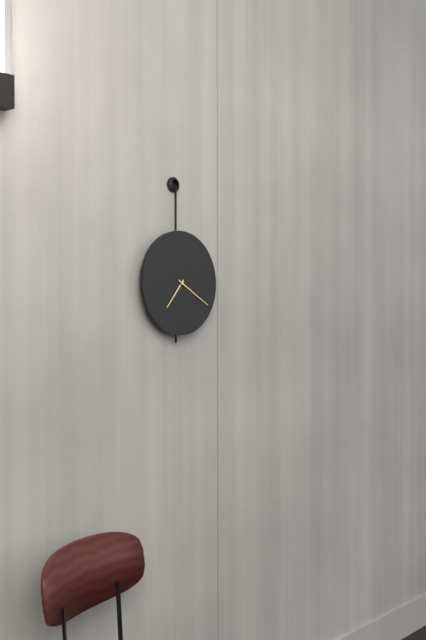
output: h=7 m=20
